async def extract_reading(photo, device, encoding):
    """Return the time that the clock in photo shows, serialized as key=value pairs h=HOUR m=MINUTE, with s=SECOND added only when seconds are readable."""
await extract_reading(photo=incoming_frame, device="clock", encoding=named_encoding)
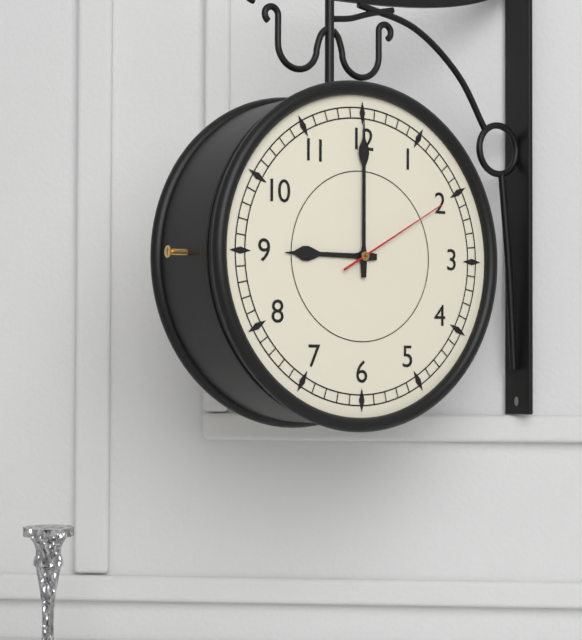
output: h=9 m=0 s=10
